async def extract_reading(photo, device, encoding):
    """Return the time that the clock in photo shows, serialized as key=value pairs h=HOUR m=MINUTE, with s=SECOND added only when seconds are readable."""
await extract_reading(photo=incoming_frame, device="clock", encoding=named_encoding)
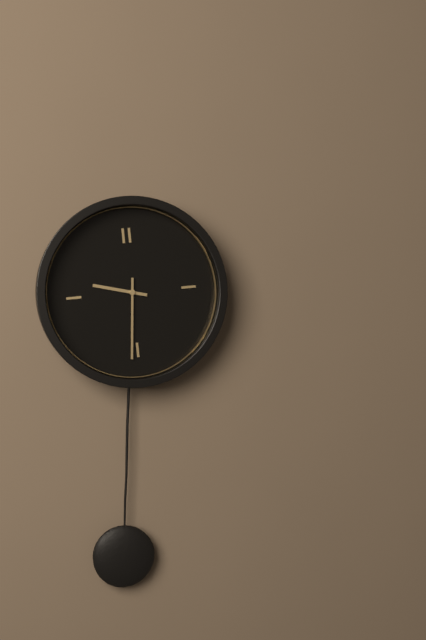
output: h=9 m=31
